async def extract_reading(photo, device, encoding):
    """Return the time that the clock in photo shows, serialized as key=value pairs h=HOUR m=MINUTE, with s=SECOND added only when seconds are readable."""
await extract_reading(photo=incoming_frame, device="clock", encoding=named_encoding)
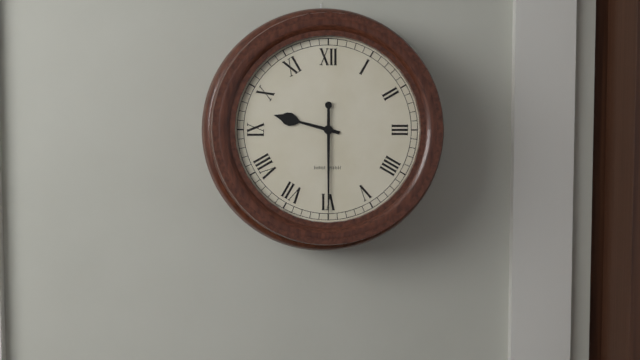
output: h=9 m=30
